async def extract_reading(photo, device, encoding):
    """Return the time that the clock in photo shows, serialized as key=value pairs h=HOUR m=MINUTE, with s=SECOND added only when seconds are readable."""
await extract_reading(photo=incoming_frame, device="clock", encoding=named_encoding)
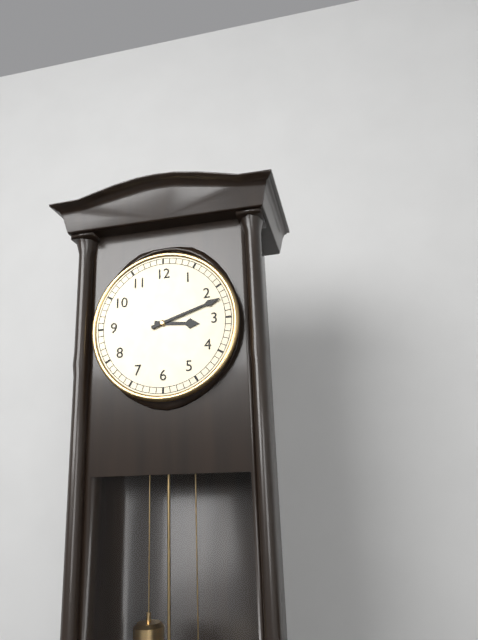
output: h=3 m=12
